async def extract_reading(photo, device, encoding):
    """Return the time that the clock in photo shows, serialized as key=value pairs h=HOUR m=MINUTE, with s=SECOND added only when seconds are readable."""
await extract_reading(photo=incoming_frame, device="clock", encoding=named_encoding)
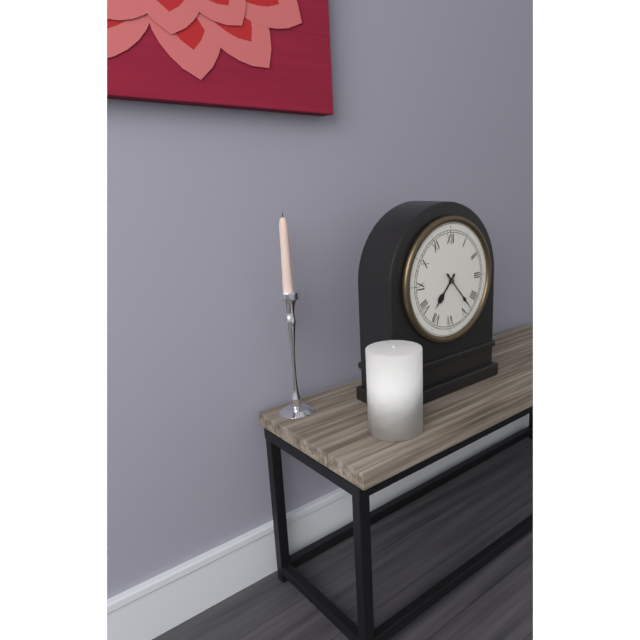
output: h=7 m=23
